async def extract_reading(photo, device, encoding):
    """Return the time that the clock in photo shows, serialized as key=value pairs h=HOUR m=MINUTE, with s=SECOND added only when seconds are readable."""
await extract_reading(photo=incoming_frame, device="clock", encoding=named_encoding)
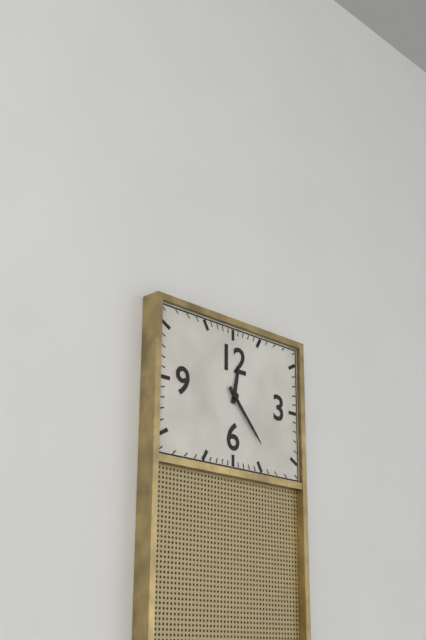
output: h=12 m=23
